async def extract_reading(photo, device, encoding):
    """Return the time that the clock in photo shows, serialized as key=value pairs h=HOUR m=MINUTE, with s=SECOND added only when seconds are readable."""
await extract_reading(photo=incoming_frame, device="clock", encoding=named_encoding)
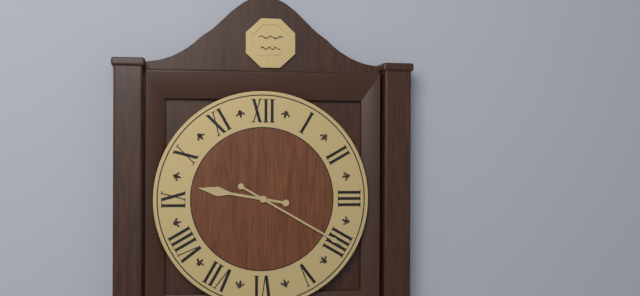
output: h=9 m=20
